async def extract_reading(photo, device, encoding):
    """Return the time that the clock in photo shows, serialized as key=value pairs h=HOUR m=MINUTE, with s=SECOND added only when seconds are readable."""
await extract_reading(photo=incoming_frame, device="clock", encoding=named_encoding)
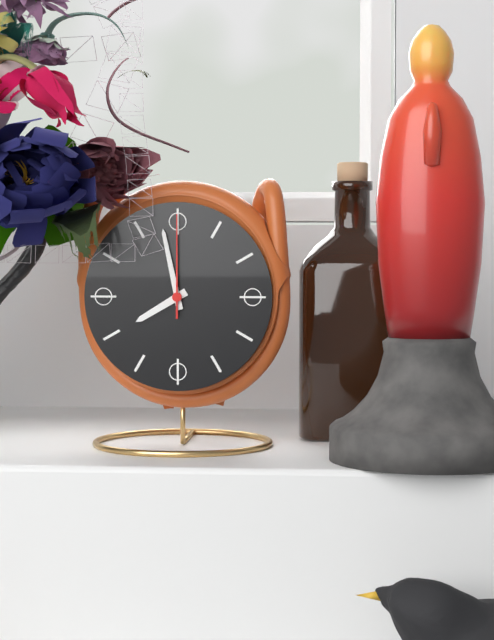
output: h=7 m=58 s=0
